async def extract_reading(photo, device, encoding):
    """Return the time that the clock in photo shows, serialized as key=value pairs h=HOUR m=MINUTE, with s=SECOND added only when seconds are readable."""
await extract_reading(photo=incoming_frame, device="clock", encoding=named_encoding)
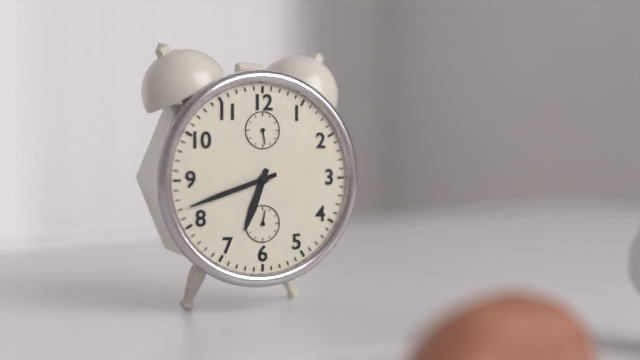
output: h=6 m=42
